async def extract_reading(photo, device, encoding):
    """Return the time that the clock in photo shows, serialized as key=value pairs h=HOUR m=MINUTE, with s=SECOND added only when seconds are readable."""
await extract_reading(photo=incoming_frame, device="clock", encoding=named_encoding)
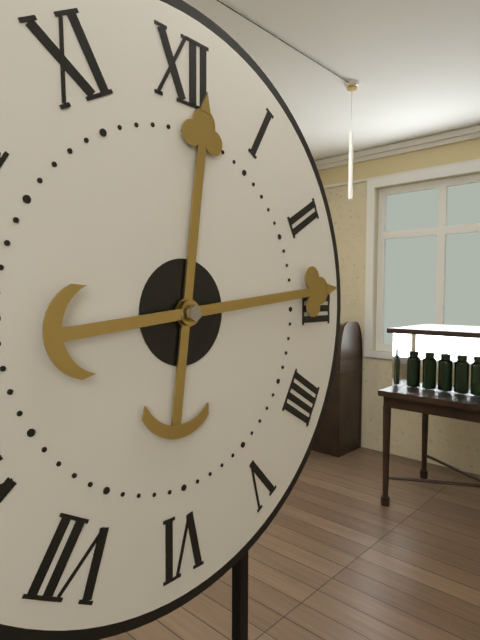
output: h=12 m=14
